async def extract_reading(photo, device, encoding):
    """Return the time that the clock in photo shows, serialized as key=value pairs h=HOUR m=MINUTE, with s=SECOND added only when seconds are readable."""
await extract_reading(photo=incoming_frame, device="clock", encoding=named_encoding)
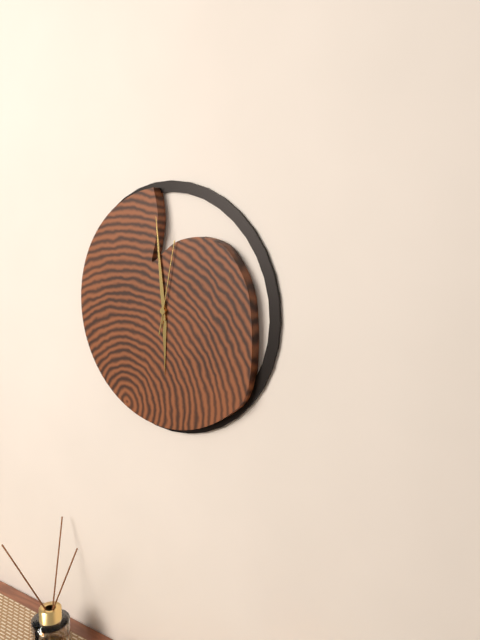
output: h=5 m=59 s=2
